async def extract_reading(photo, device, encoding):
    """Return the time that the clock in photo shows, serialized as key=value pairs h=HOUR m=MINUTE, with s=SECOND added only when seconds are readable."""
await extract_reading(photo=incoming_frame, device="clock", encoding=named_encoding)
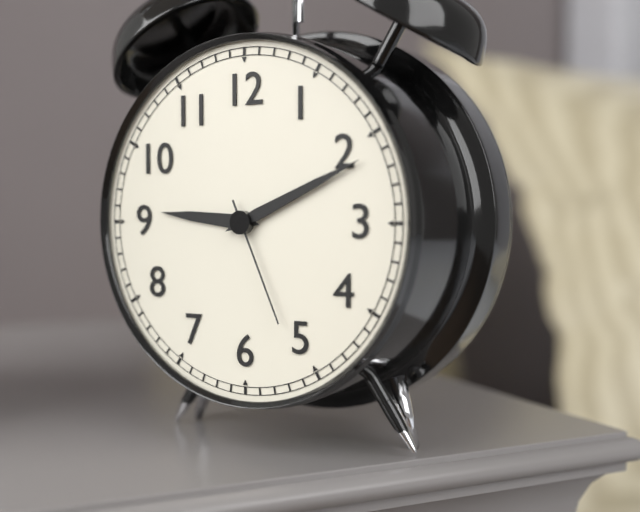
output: h=9 m=11 s=26
